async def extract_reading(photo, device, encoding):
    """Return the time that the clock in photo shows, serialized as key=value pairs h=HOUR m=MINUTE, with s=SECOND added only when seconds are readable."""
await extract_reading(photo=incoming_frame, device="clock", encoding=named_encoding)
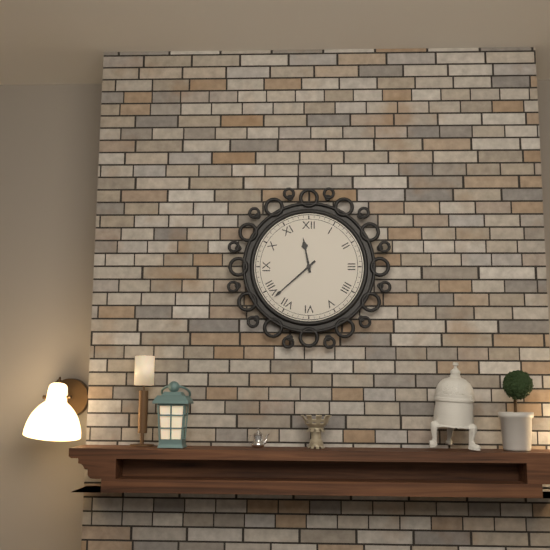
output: h=11 m=38
